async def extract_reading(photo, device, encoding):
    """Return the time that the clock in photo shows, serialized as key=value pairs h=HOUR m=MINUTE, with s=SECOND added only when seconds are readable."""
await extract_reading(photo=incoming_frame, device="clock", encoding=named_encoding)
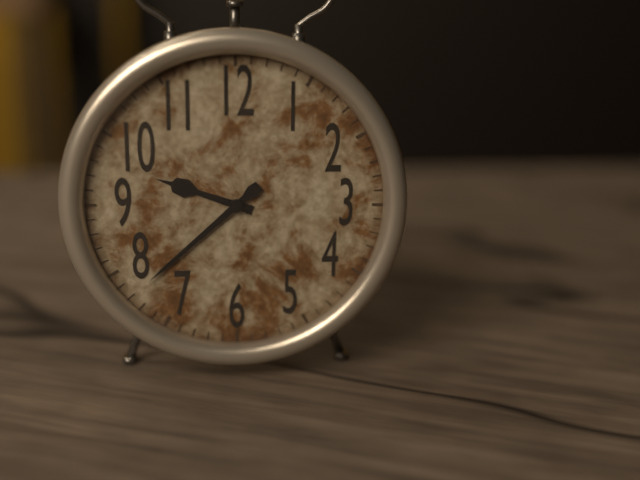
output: h=9 m=38
